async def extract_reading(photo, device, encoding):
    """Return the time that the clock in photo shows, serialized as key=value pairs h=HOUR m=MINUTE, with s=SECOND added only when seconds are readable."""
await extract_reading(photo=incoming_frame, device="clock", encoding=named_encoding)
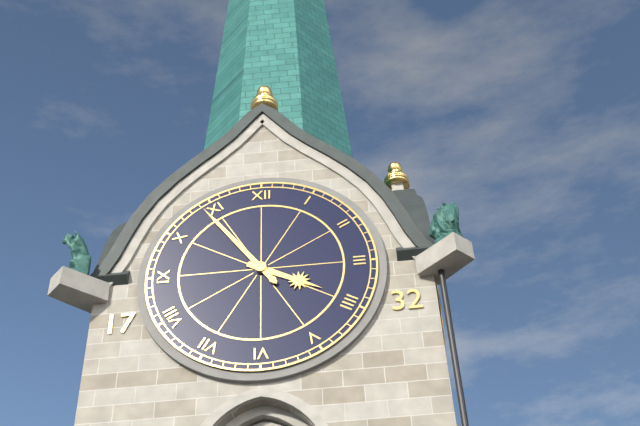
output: h=3 m=54
